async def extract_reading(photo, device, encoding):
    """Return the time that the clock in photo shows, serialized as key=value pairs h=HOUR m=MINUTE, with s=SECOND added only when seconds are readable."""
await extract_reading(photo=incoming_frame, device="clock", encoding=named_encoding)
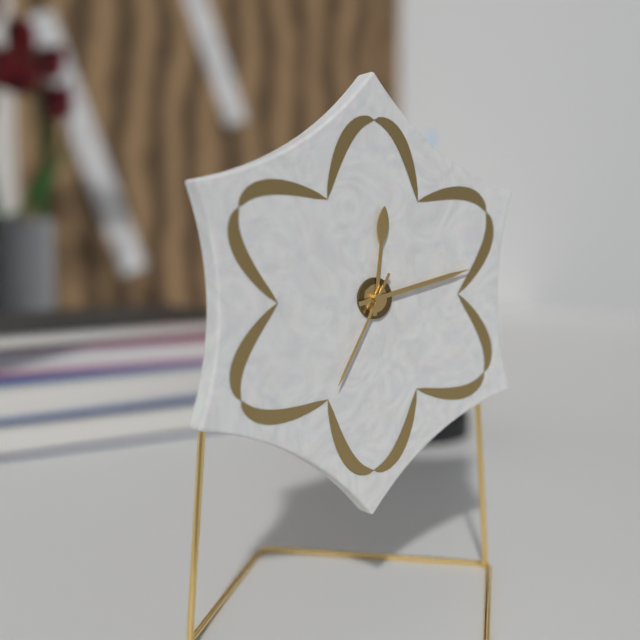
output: h=12 m=13 s=35
